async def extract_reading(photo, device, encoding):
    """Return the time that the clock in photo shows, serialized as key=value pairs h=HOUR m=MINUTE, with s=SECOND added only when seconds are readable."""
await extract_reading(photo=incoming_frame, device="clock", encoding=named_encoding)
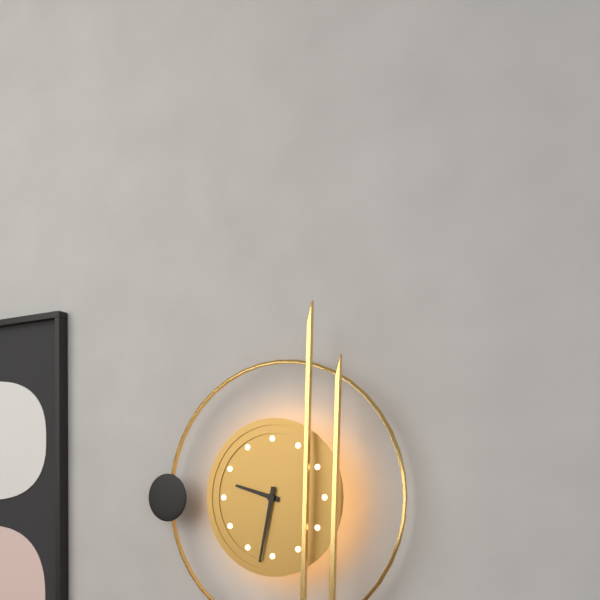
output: h=9 m=32
